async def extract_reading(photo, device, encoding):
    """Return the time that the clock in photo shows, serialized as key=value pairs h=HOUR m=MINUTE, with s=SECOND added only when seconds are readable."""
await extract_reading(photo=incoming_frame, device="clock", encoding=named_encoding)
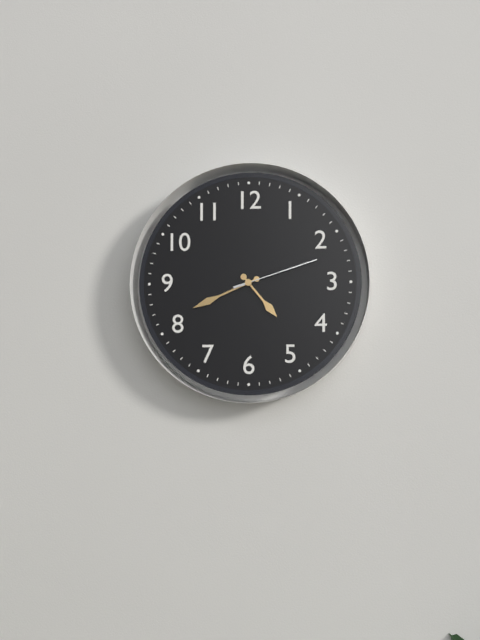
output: h=4 m=41 s=12
